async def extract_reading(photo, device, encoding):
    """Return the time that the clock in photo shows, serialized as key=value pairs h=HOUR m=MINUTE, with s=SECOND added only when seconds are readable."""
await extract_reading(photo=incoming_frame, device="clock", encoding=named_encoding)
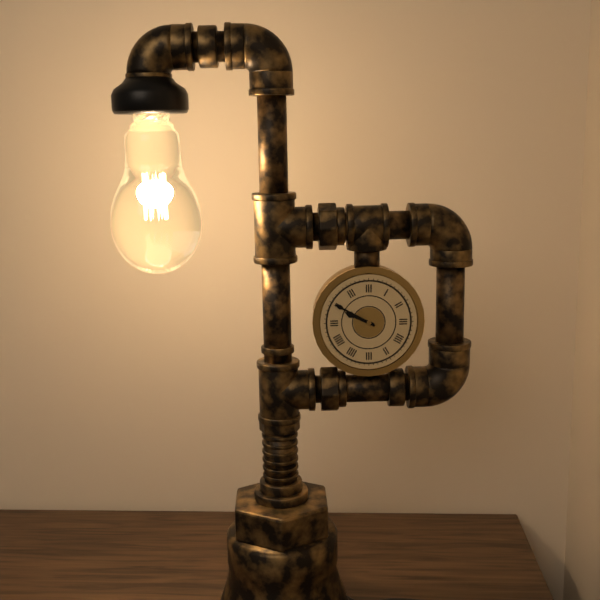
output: h=9 m=50
